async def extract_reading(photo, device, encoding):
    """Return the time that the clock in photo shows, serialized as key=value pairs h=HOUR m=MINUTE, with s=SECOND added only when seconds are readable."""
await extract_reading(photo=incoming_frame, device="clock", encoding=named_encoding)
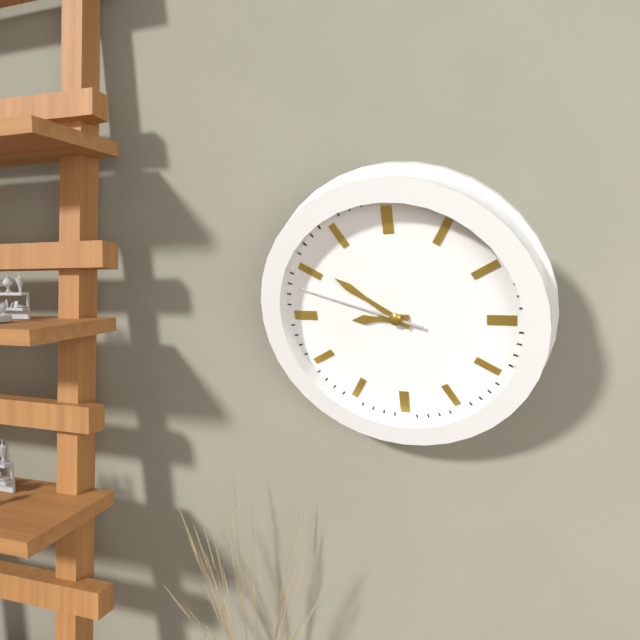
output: h=8 m=51 s=48
